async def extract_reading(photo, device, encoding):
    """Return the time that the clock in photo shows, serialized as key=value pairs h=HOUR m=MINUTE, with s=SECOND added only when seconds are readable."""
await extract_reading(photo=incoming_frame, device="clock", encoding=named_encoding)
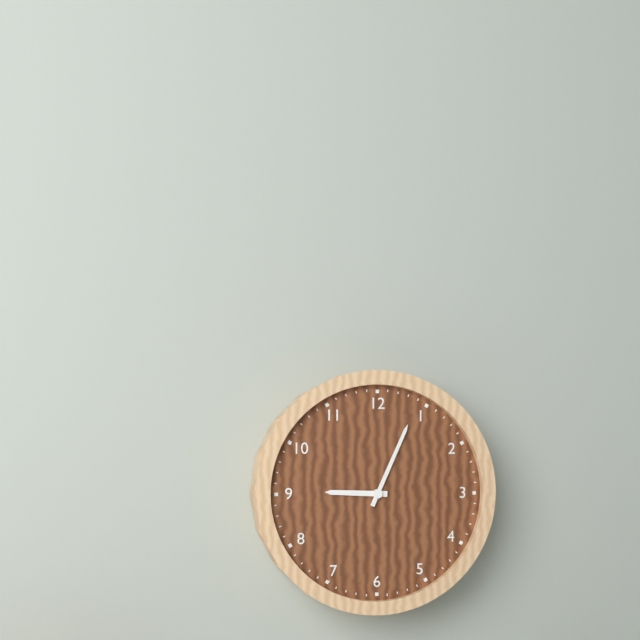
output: h=9 m=4
